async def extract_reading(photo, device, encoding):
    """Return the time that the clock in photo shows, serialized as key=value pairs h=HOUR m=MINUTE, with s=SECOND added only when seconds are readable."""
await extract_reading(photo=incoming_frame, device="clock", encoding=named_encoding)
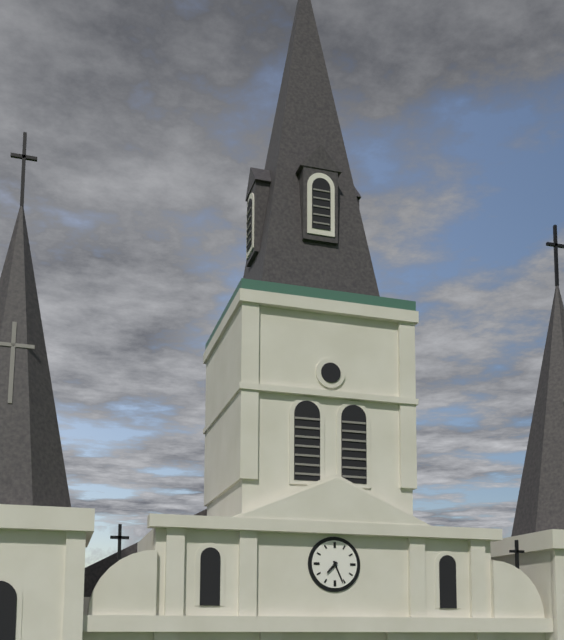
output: h=7 m=26
